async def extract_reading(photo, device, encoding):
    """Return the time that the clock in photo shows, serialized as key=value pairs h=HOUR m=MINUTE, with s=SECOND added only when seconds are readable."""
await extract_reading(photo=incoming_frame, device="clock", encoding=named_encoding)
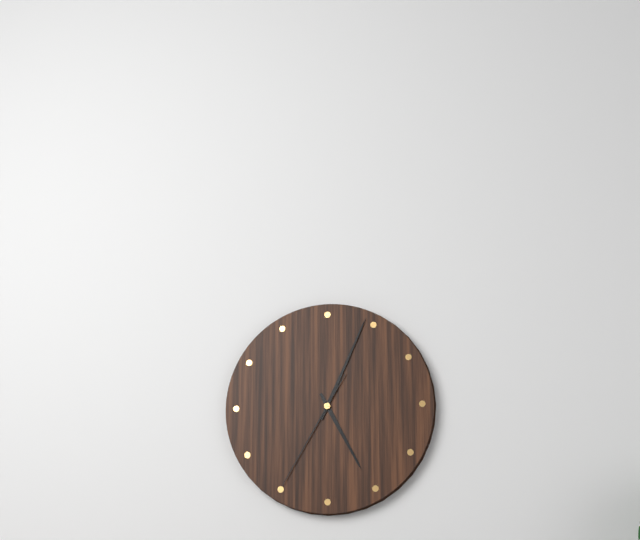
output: h=5 m=4 s=35
